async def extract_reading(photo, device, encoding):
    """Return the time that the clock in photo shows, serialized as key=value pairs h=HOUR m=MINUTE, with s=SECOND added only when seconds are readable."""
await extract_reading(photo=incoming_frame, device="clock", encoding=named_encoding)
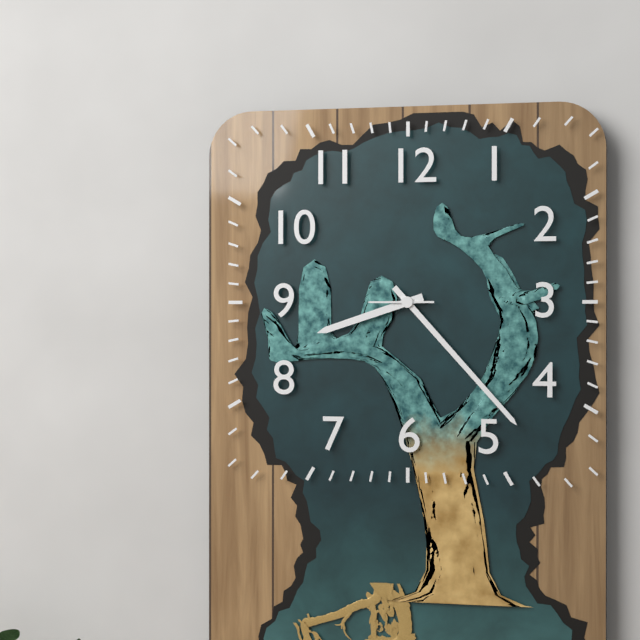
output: h=8 m=23 s=45
